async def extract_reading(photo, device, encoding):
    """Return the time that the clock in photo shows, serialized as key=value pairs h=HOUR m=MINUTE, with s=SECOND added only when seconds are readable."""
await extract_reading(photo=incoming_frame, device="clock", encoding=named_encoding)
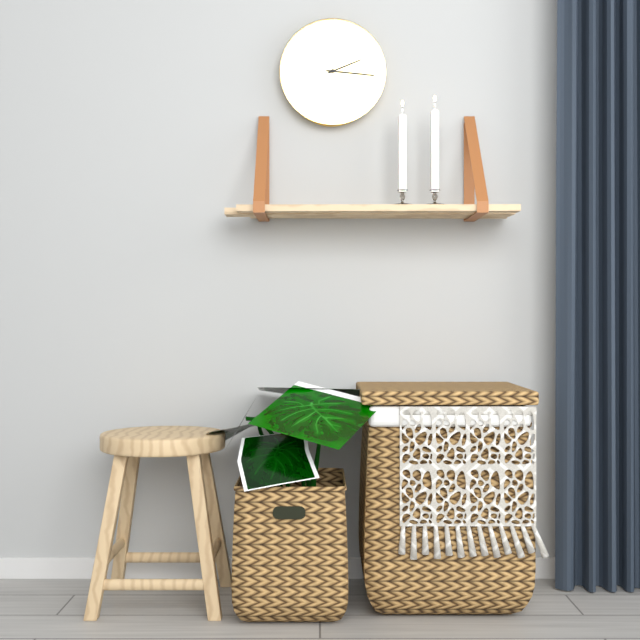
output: h=2 m=16
